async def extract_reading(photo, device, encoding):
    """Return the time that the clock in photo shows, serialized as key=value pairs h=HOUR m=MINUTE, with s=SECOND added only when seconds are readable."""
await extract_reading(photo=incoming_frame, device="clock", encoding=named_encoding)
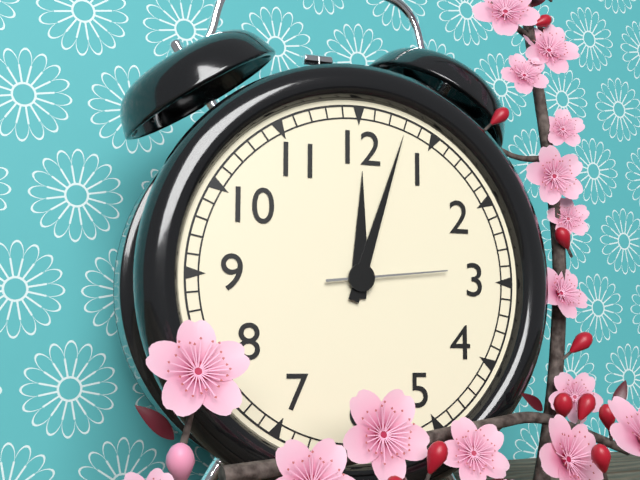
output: h=12 m=3 s=14
